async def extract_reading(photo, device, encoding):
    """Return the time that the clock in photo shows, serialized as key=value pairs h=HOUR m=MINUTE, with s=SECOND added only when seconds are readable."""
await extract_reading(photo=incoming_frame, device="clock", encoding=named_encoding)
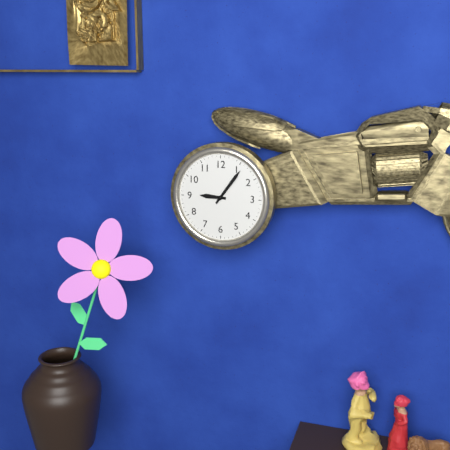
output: h=9 m=6
